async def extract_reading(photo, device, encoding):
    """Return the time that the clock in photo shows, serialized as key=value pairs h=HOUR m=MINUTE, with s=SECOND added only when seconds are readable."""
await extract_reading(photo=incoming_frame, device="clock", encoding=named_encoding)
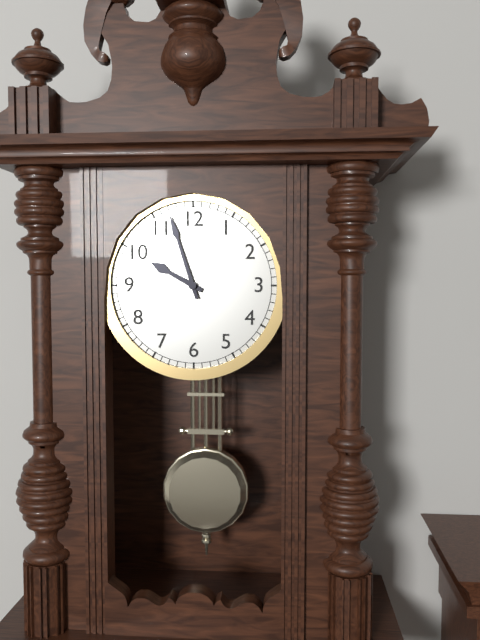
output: h=9 m=57
